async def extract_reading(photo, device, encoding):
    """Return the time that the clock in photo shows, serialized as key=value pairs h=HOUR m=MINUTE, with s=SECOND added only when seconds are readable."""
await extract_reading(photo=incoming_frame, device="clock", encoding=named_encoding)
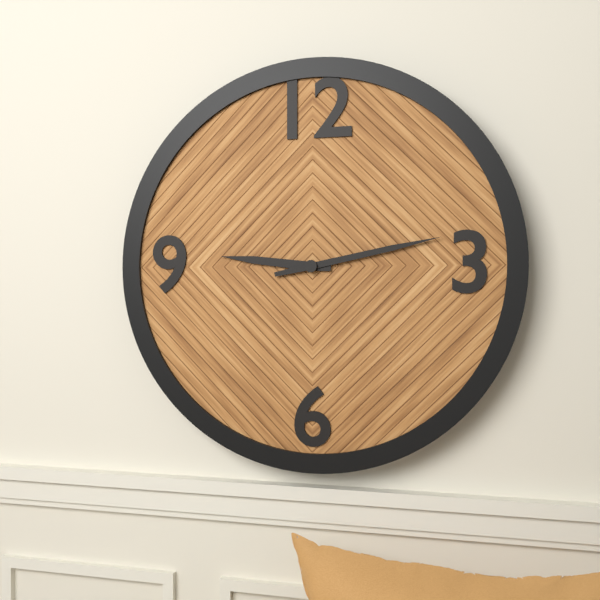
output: h=9 m=13
